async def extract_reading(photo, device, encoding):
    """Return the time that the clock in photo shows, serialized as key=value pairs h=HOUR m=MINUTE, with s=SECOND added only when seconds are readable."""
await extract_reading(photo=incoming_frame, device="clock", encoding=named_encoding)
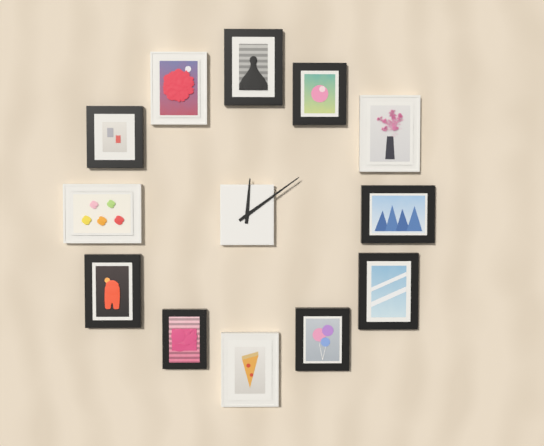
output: h=12 m=9
